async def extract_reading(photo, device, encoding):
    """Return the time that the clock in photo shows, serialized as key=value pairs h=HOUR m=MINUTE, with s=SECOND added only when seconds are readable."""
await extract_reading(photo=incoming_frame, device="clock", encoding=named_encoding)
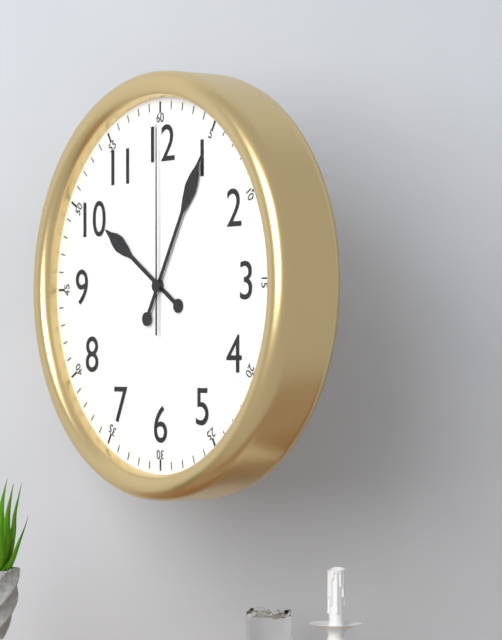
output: h=10 m=5 s=0
